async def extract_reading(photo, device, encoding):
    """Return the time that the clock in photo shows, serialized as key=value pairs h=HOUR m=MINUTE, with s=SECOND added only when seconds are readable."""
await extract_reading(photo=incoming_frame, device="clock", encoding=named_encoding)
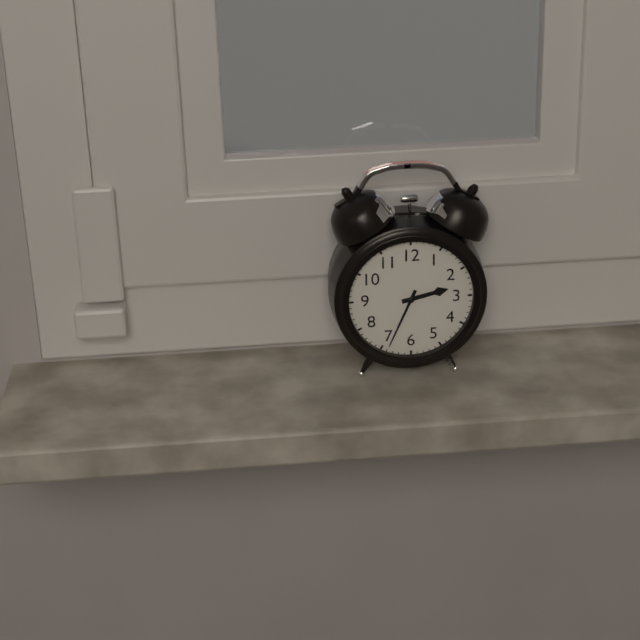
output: h=2 m=34
